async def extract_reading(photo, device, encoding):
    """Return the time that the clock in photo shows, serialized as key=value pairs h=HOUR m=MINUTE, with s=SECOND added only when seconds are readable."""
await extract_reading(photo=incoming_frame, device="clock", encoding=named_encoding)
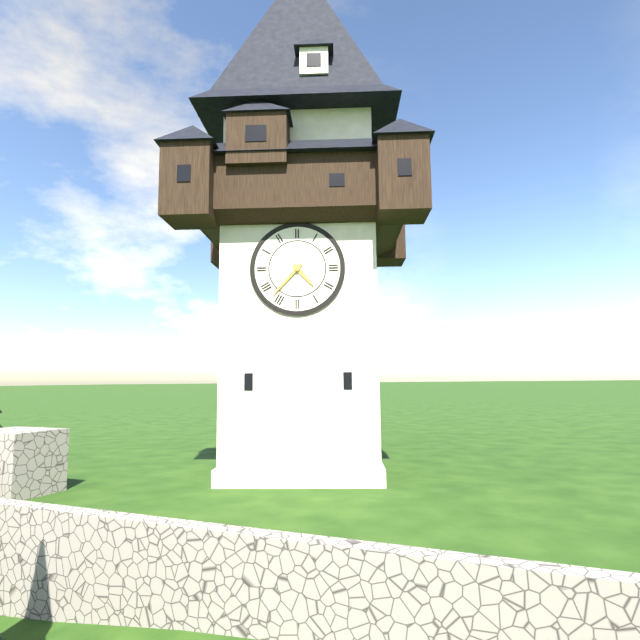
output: h=4 m=37
